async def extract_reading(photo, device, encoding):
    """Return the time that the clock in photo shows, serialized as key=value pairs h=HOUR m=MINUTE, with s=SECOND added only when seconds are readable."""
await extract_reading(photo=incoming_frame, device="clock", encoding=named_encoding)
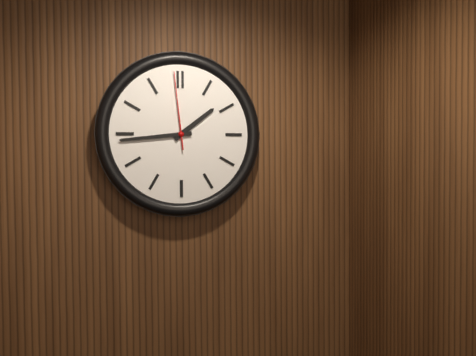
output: h=1 m=44 s=59
